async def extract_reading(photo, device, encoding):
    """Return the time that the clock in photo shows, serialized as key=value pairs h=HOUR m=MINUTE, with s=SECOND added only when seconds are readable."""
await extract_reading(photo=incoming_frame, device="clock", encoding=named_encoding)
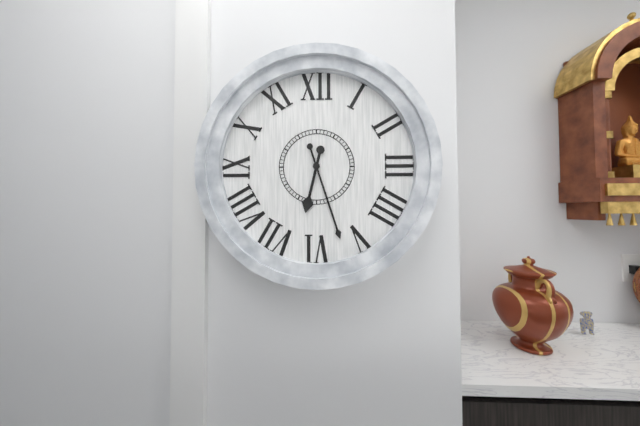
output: h=6 m=27
